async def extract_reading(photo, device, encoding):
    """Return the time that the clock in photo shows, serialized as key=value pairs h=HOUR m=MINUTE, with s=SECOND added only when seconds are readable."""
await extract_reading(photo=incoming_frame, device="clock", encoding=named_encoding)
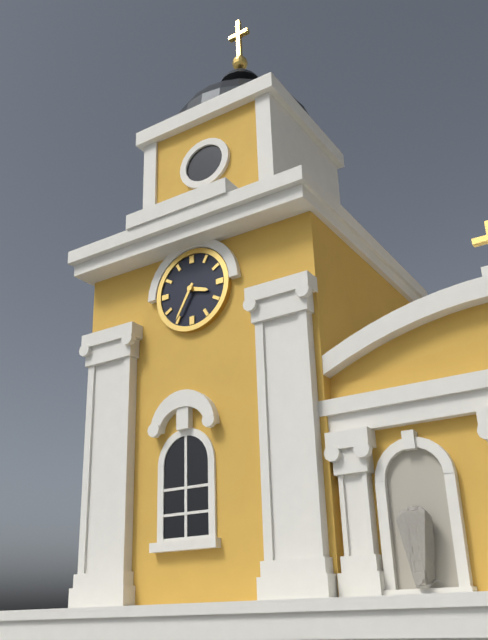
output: h=3 m=35
